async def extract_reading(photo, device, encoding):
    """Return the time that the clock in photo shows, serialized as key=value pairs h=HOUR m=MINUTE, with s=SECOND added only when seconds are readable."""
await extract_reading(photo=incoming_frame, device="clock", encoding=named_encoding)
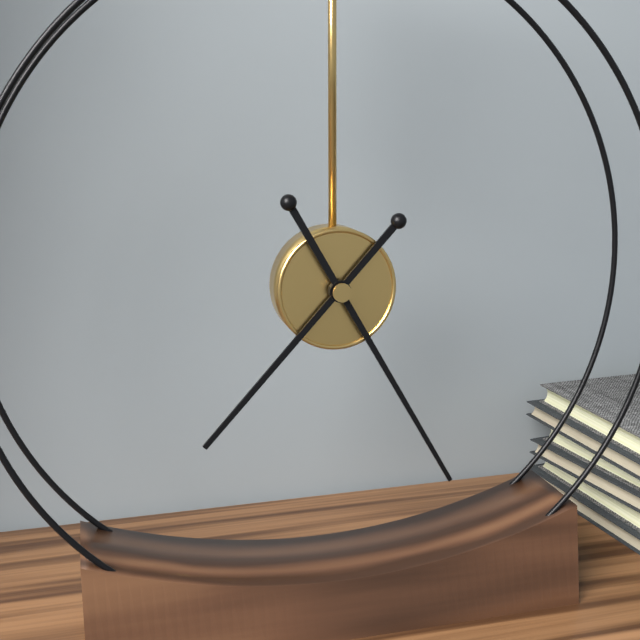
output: h=7 m=25
